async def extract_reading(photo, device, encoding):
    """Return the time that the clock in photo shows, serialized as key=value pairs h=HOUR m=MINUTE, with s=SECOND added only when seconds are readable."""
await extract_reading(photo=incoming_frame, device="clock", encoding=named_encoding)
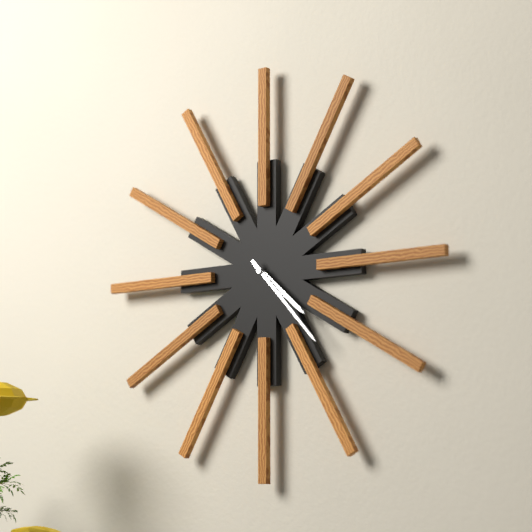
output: h=4 m=23
